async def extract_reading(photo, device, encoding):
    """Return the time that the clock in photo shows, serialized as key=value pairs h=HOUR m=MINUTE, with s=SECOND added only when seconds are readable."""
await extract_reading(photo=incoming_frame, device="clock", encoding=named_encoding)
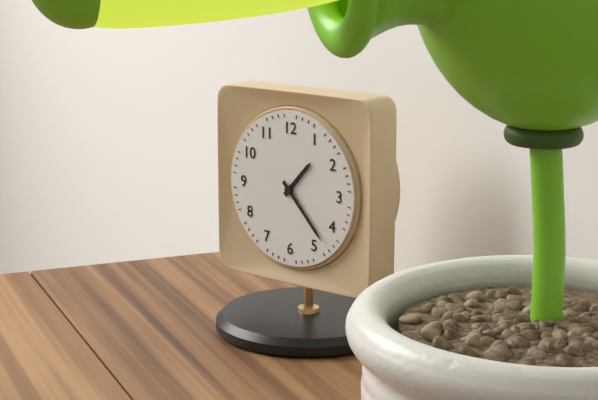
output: h=1 m=23
